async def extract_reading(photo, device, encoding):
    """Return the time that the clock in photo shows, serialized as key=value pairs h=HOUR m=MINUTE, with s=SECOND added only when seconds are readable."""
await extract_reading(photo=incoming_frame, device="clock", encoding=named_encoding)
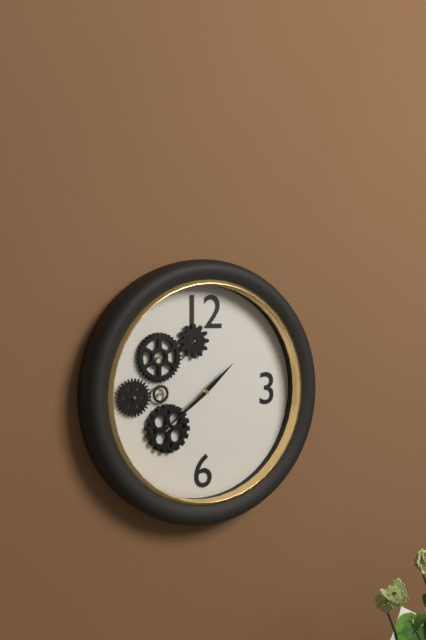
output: h=1 m=39
